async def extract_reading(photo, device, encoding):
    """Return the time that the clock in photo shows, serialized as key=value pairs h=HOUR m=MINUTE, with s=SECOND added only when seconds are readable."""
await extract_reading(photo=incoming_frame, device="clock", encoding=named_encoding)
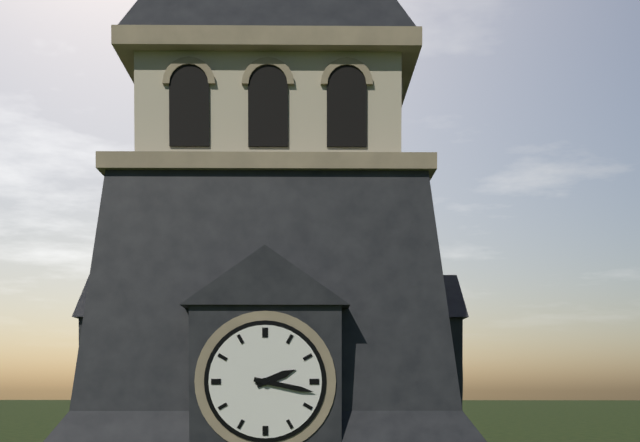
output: h=2 m=17
